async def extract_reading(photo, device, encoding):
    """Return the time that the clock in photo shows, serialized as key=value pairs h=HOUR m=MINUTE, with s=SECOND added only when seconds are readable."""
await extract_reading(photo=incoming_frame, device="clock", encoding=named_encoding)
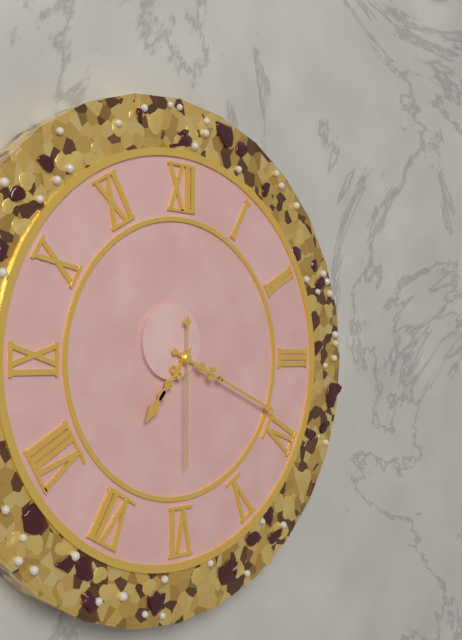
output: h=7 m=19 s=30
